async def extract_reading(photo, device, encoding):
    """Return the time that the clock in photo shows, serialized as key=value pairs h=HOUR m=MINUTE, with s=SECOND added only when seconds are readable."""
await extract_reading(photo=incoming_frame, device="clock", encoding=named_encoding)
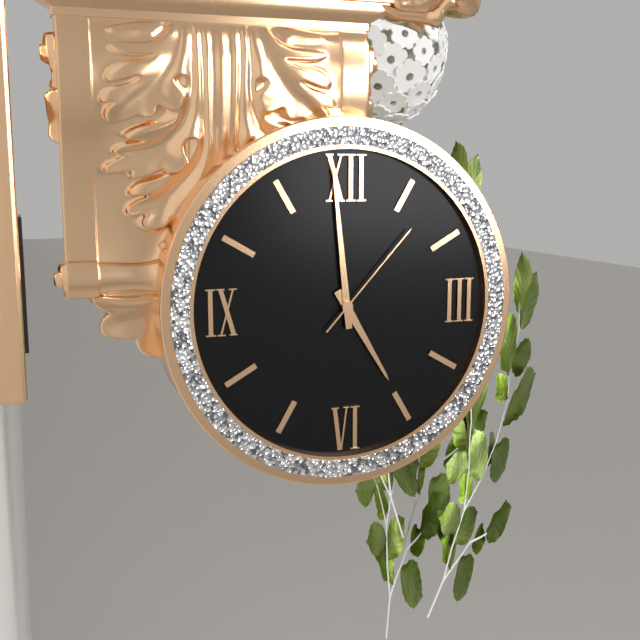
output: h=4 m=59 s=7
